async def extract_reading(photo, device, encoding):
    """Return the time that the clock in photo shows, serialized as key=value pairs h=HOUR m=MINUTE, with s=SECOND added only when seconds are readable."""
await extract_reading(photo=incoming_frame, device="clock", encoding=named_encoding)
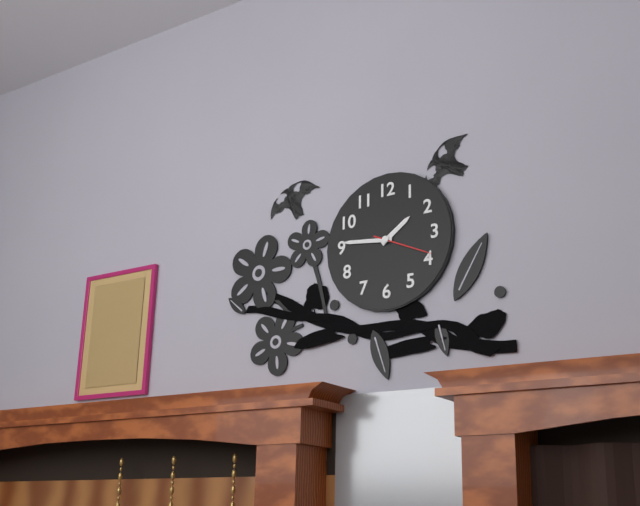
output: h=1 m=46 s=19
